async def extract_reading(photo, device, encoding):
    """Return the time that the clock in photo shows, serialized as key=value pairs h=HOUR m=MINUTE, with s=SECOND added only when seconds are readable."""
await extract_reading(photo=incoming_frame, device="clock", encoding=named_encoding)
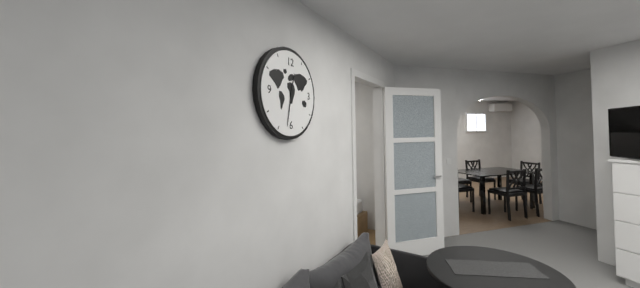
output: h=12 m=32
